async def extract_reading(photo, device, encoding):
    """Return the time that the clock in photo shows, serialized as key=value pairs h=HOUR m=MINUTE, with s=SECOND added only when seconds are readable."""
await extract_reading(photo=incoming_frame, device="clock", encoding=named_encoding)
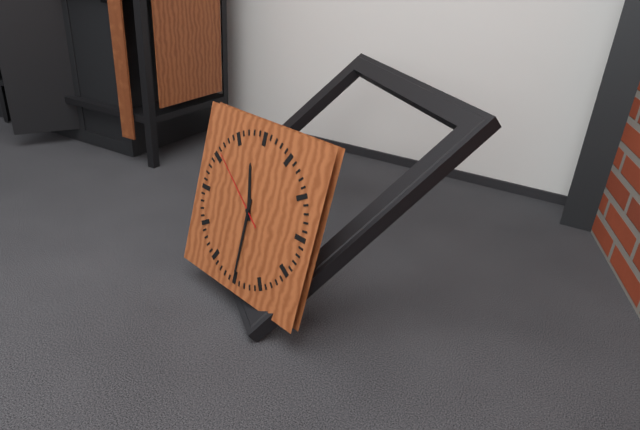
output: h=11 m=30 s=51
